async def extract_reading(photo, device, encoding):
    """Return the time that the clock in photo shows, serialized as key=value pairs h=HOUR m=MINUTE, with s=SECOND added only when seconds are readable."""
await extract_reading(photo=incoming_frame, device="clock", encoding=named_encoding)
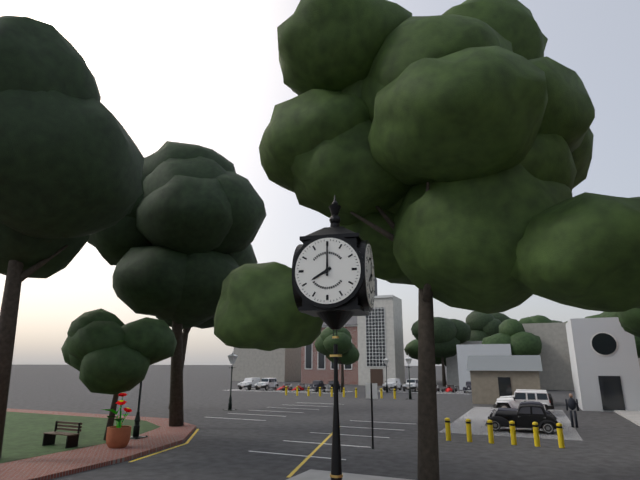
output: h=8 m=0
